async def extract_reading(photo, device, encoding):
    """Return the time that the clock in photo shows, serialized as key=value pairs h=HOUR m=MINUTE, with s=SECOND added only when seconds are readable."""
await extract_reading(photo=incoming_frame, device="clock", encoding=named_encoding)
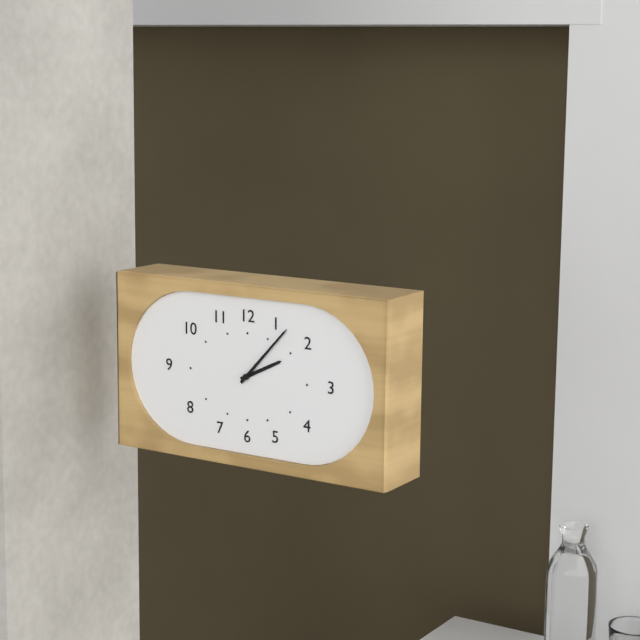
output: h=2 m=7
